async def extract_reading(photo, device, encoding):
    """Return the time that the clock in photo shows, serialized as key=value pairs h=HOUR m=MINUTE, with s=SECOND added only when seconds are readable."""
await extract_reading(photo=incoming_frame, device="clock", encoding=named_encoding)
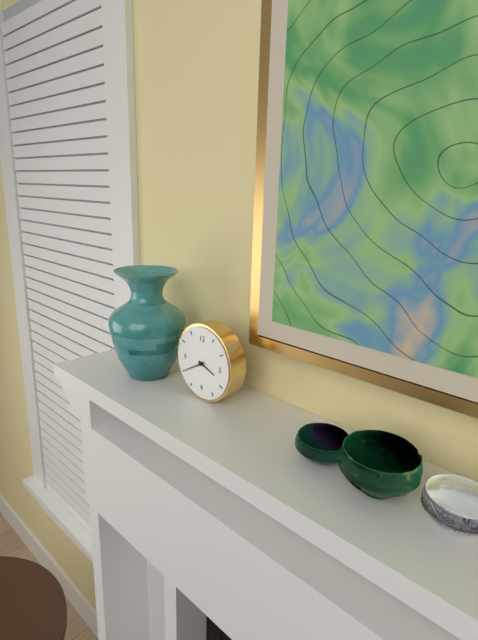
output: h=3 m=40
